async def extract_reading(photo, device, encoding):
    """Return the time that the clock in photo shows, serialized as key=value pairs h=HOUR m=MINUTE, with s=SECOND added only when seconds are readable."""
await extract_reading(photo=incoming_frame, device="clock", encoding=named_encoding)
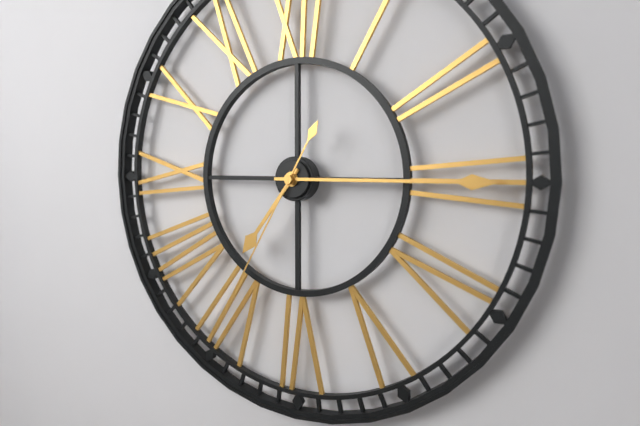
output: h=7 m=15 s=35
